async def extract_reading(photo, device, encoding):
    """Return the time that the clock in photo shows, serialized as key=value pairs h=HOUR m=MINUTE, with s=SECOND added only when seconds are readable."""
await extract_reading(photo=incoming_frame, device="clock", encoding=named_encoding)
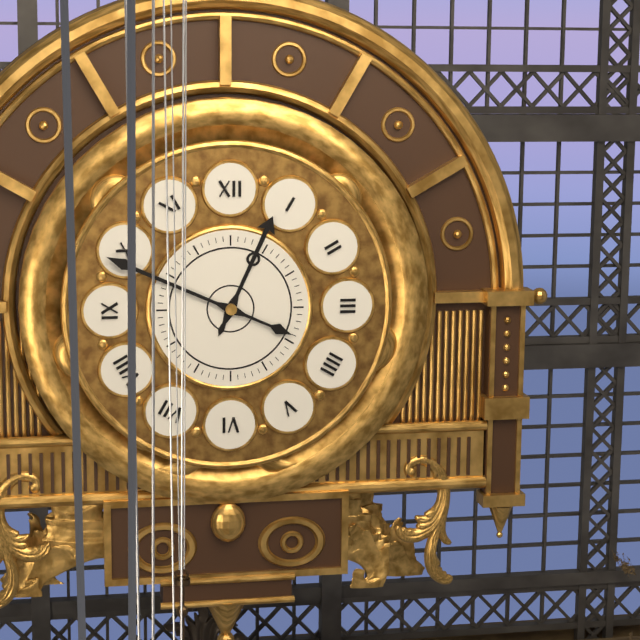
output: h=12 m=49
